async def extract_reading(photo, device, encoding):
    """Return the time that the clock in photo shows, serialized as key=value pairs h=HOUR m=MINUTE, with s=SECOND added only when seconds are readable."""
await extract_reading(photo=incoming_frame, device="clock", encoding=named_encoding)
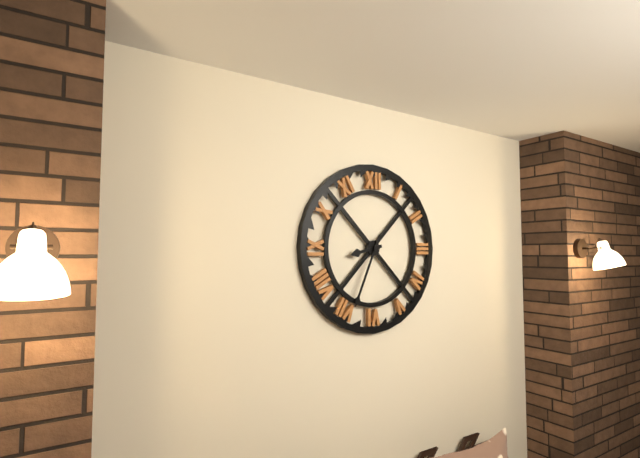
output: h=8 m=34
